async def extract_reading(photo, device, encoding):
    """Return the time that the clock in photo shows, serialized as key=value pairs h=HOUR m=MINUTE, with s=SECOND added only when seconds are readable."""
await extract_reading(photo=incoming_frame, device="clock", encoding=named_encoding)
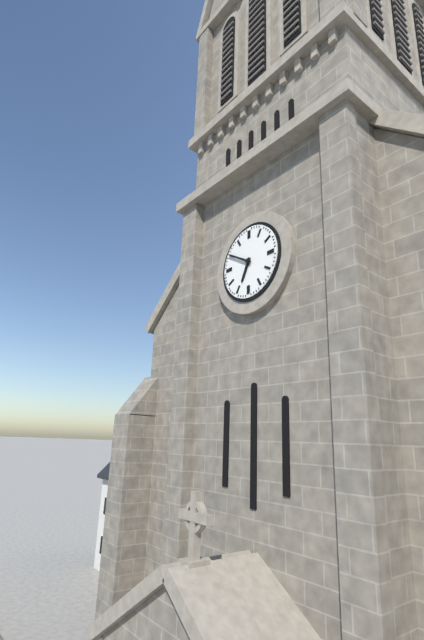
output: h=6 m=50
